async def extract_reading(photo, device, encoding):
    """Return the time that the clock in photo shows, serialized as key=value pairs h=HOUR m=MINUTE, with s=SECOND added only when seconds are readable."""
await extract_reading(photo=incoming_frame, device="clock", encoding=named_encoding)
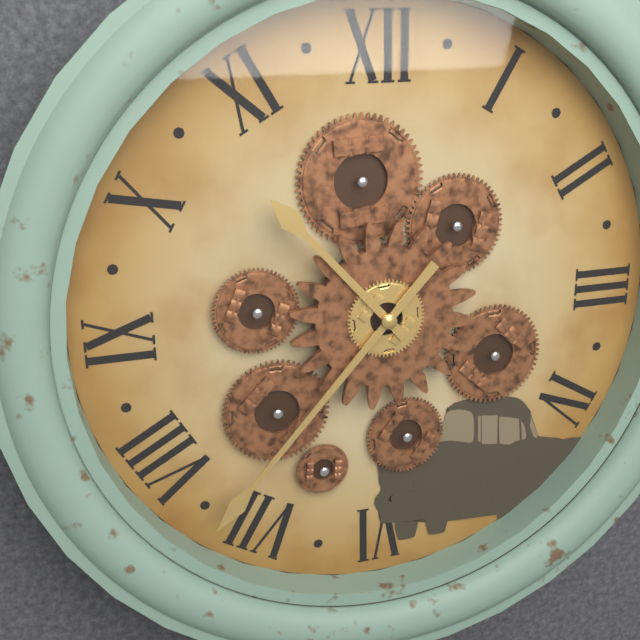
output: h=10 m=37
